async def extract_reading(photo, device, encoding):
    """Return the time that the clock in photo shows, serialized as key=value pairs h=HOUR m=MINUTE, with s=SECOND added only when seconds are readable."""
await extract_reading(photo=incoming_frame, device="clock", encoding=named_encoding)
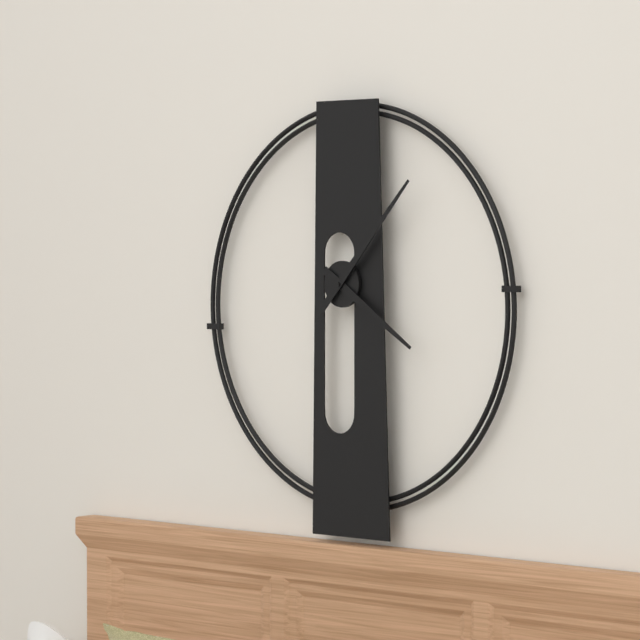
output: h=4 m=7
